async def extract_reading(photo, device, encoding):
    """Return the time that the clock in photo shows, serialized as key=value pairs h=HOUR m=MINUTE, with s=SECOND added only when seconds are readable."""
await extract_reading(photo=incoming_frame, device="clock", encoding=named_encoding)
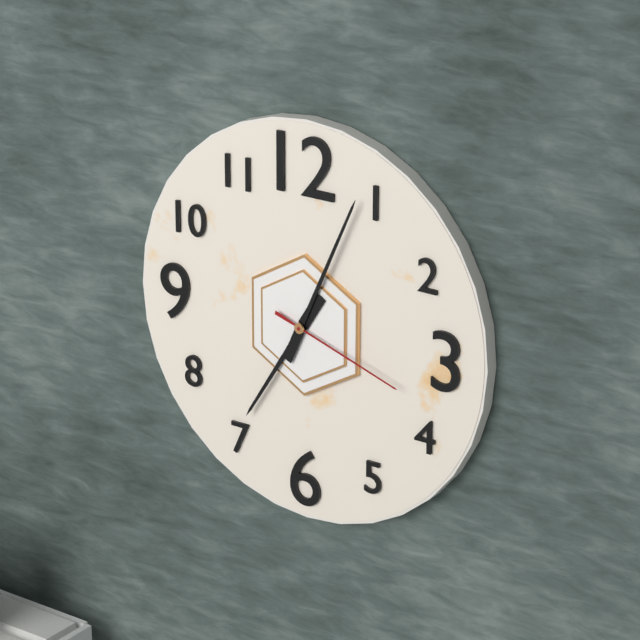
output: h=7 m=4 s=18
